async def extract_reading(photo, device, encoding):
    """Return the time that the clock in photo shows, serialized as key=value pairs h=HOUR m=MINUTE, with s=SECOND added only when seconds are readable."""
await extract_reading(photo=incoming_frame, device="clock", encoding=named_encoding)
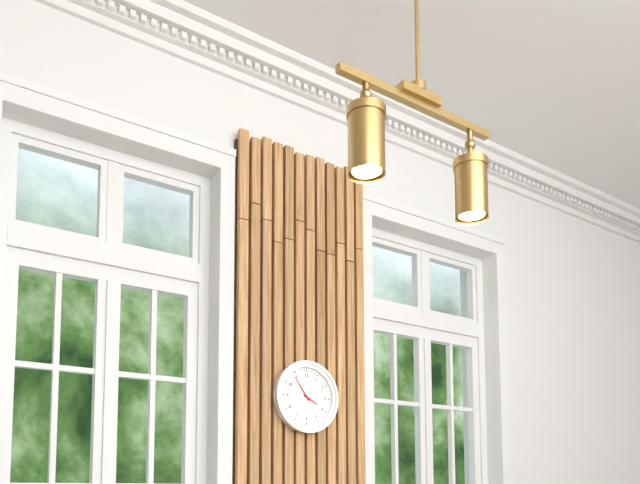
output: h=3 m=54
